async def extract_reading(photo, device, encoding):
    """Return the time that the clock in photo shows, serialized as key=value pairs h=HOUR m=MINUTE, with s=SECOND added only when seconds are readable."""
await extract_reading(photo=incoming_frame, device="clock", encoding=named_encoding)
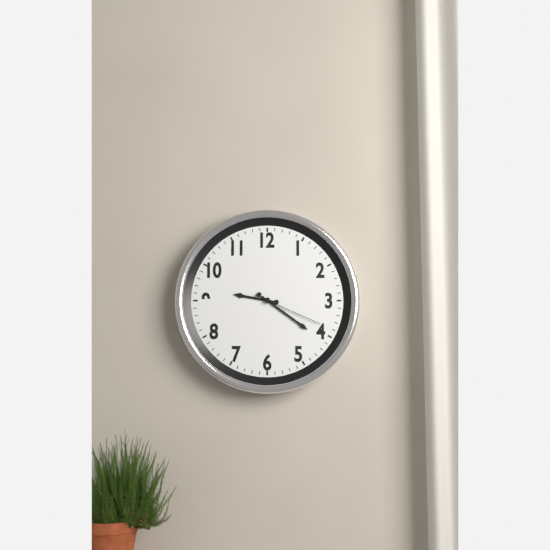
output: h=9 m=21 s=19
